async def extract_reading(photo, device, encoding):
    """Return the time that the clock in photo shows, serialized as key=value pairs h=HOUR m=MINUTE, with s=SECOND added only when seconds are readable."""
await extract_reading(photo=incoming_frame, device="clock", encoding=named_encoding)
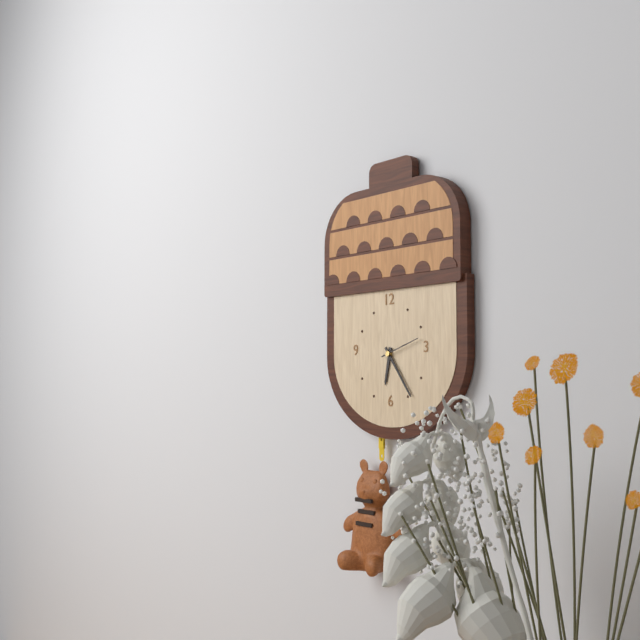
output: h=6 m=24
